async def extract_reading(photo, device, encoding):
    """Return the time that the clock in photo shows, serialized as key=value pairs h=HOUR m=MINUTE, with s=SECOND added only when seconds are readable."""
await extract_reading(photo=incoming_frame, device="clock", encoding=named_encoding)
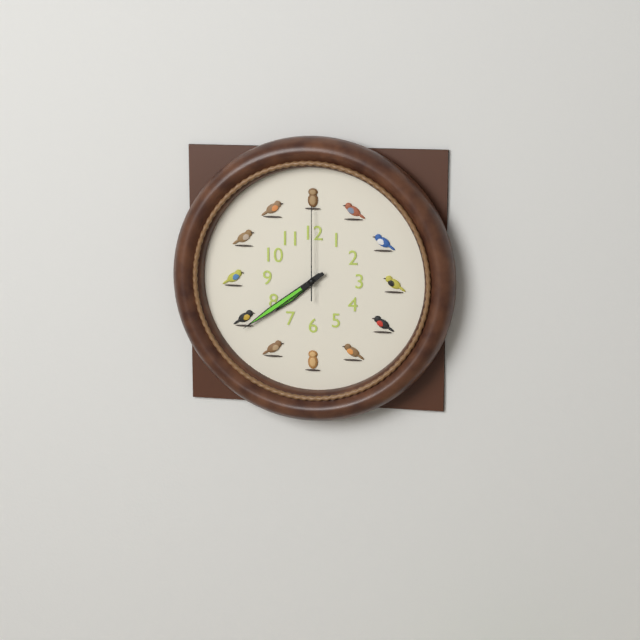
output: h=7 m=39 s=0
